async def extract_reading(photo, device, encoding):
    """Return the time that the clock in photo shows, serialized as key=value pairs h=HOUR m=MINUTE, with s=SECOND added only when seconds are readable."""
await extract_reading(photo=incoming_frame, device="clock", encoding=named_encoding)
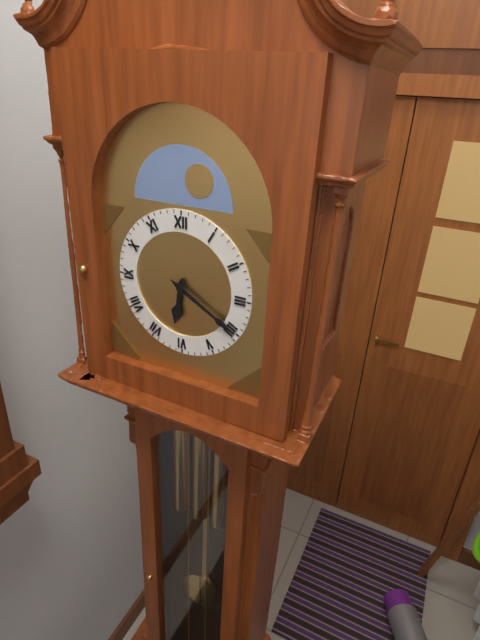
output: h=6 m=20
